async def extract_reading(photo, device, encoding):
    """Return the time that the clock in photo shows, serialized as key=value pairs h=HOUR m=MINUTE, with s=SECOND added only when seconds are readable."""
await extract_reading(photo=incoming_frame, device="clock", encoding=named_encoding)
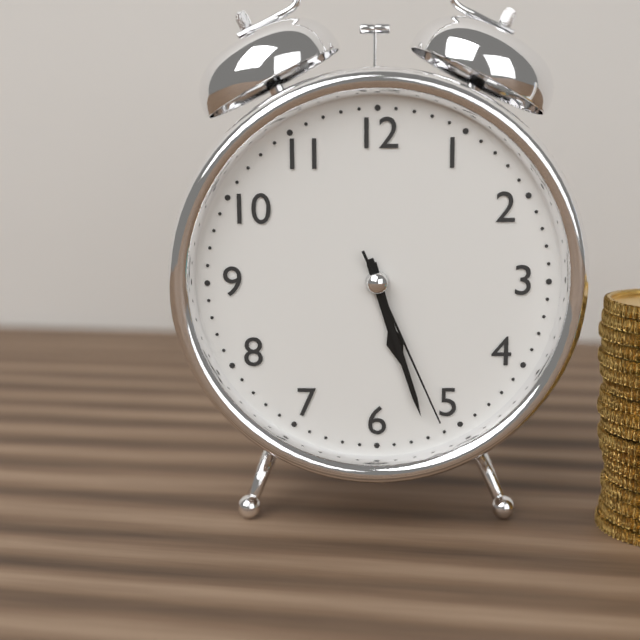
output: h=5 m=27 s=26
